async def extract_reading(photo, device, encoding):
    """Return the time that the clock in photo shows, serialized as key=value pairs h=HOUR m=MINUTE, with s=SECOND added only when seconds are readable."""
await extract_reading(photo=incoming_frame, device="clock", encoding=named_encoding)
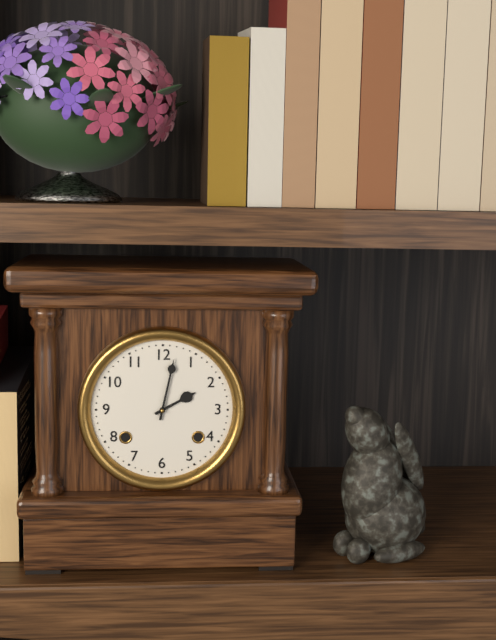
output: h=2 m=2
